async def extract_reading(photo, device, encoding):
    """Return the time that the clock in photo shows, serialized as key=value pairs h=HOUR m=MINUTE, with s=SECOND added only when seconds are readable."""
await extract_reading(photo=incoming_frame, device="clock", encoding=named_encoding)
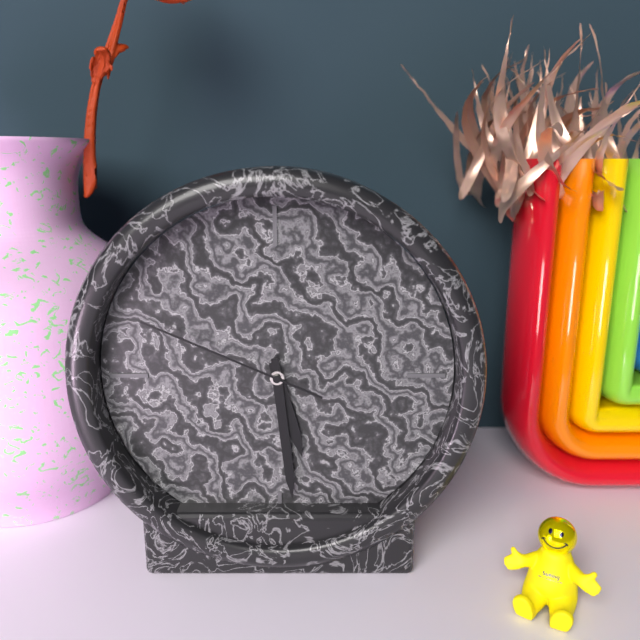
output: h=5 m=29 s=49
